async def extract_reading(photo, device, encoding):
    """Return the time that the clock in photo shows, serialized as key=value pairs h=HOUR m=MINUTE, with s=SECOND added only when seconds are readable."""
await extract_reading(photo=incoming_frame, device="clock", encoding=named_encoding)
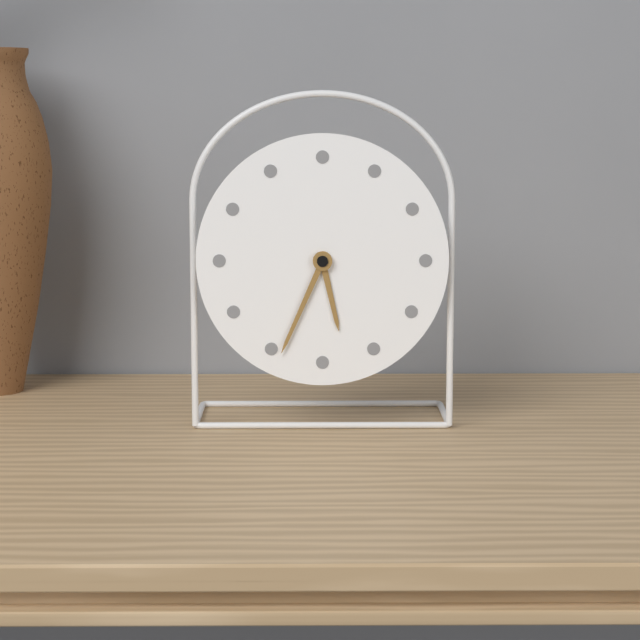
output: h=5 m=34
